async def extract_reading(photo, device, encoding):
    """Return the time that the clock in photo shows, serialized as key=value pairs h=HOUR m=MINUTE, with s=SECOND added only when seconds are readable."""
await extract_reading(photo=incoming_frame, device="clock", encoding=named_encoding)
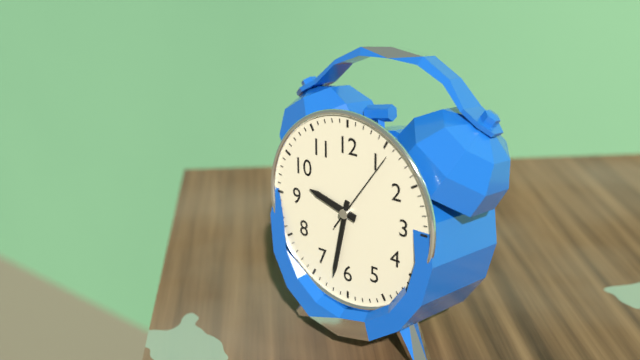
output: h=9 m=32 s=6
